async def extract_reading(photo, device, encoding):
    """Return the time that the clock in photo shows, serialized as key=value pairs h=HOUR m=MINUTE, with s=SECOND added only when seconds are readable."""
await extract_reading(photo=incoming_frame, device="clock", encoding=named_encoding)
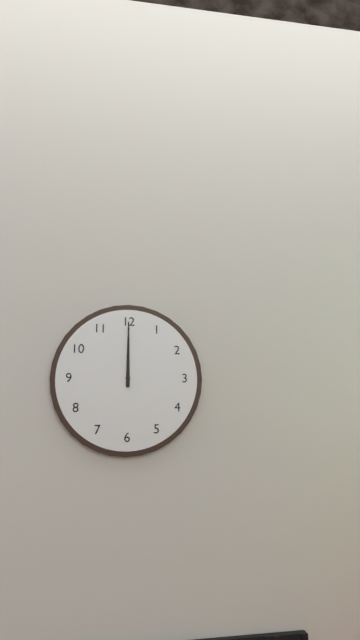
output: h=12 m=0
